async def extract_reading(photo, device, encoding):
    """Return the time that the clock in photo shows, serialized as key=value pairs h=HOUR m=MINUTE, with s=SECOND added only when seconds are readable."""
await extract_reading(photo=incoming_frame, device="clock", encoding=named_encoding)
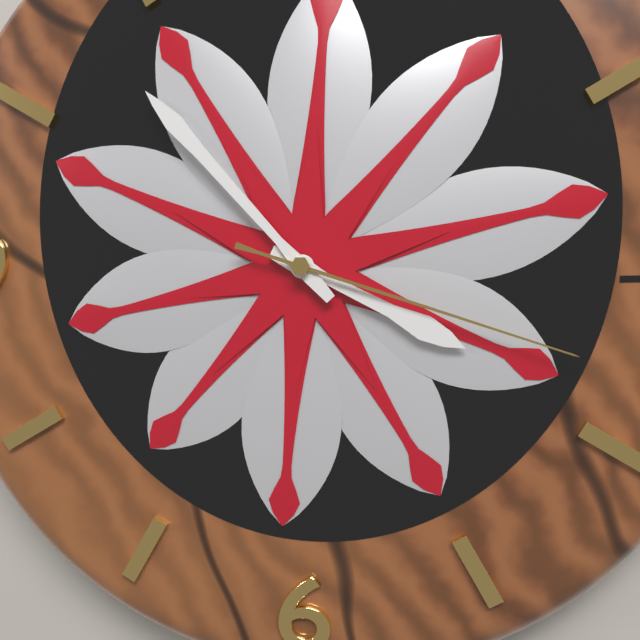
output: h=3 m=53 s=18
